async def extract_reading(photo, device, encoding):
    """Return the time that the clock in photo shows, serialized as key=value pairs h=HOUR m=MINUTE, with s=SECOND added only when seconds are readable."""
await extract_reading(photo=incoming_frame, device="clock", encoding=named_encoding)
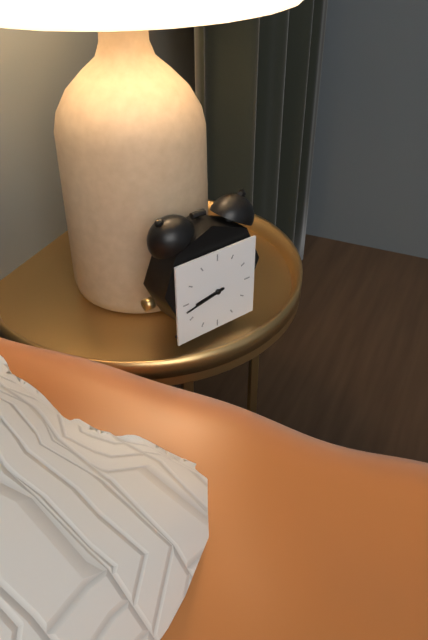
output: h=8 m=43
